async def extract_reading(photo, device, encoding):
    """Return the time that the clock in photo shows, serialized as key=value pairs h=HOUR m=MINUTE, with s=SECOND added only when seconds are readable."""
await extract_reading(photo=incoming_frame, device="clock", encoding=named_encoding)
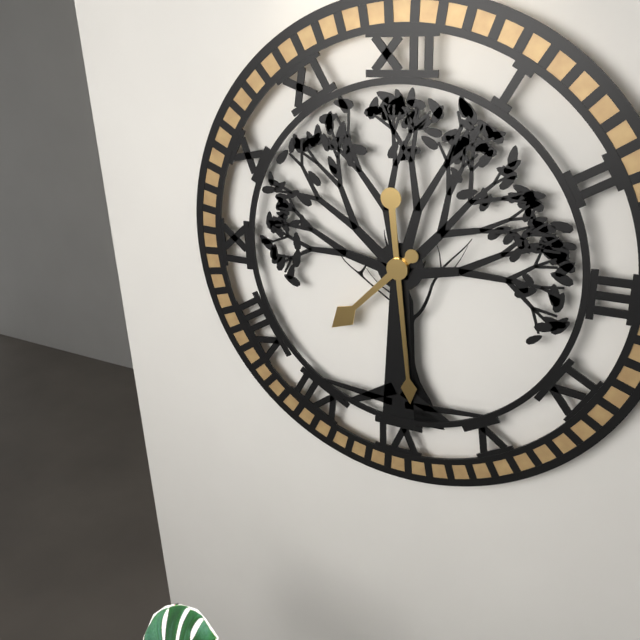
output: h=7 m=29
